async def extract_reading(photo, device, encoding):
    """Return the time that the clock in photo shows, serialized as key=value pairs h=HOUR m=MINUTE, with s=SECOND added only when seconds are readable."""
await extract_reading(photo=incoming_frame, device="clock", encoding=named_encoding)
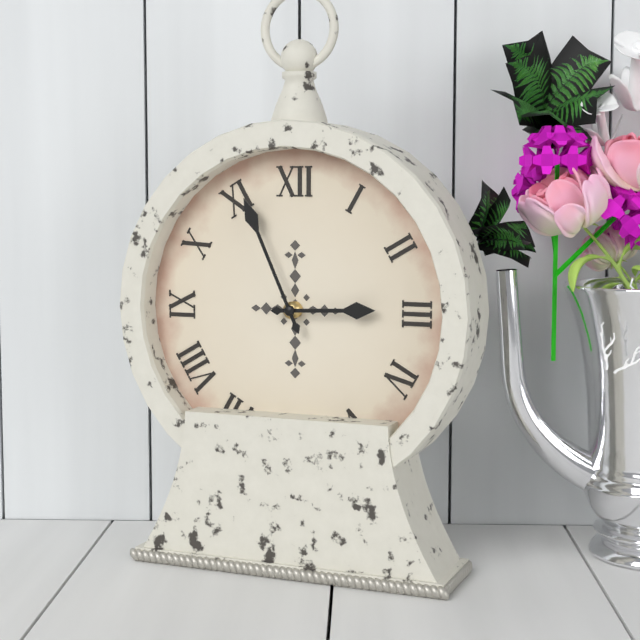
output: h=2 m=56
